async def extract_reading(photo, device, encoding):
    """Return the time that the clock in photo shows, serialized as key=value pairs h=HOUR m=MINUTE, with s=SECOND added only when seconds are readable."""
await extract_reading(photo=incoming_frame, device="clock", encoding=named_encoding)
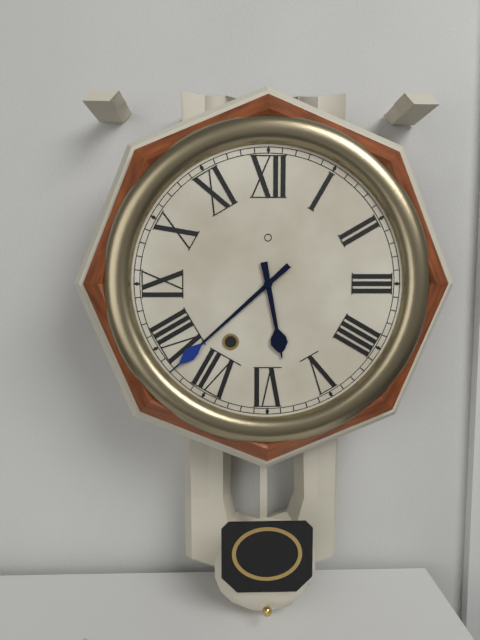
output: h=5 m=38
